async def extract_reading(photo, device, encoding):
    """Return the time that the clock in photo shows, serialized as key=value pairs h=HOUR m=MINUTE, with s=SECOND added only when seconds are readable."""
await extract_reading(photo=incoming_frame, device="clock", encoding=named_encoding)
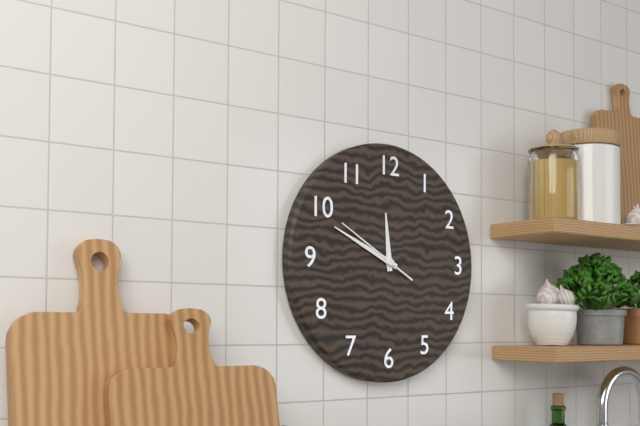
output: h=11 m=49 s=50
